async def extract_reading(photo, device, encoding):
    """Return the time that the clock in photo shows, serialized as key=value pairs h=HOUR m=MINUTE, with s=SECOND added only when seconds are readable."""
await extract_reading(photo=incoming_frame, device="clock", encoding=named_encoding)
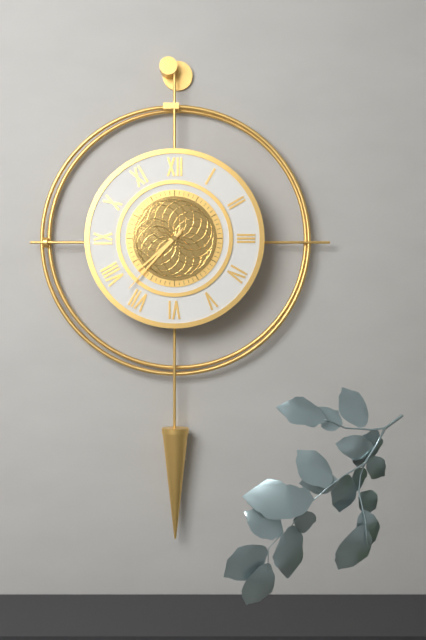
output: h=7 m=37
